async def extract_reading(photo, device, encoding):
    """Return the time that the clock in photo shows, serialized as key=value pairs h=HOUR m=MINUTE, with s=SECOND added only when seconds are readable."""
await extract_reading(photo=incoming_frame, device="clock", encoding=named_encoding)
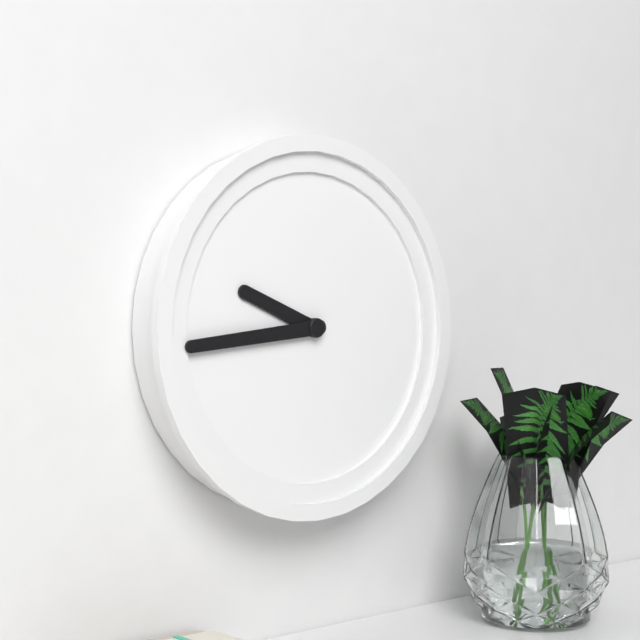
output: h=9 m=44
